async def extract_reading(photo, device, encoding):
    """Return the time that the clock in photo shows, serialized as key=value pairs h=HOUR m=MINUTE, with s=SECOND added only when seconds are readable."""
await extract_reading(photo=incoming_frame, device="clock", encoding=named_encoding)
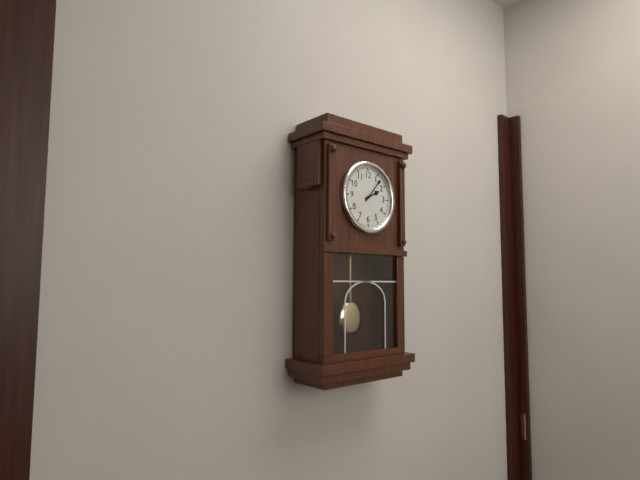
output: h=2 m=7
